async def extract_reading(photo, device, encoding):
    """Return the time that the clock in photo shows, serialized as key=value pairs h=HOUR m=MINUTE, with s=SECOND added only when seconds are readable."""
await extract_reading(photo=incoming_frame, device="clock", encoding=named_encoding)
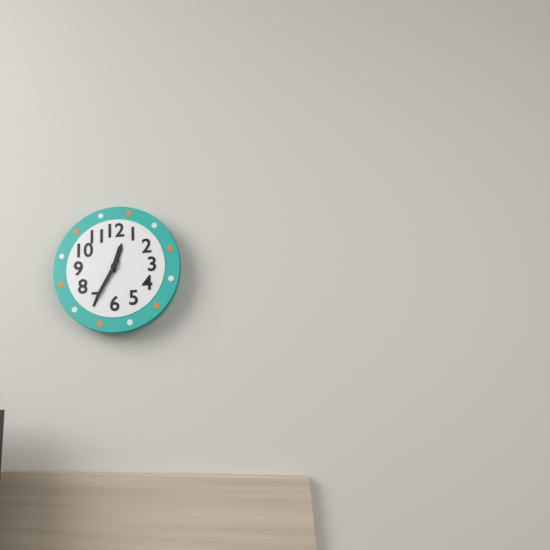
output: h=12 m=35
